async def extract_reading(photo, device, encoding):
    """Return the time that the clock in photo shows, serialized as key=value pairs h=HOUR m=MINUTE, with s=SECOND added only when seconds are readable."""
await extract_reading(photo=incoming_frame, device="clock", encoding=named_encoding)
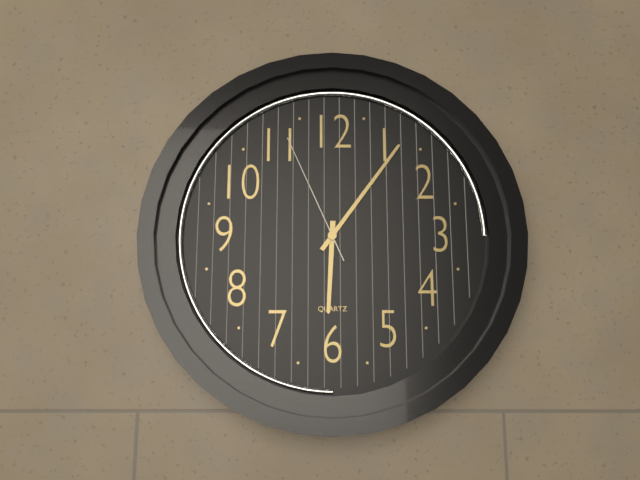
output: h=6 m=6 s=56
